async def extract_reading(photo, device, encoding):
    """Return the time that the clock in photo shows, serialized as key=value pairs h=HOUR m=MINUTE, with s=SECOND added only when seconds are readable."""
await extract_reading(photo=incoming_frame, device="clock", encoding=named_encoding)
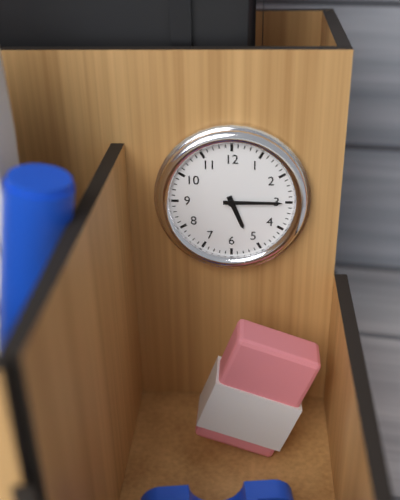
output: h=5 m=15
